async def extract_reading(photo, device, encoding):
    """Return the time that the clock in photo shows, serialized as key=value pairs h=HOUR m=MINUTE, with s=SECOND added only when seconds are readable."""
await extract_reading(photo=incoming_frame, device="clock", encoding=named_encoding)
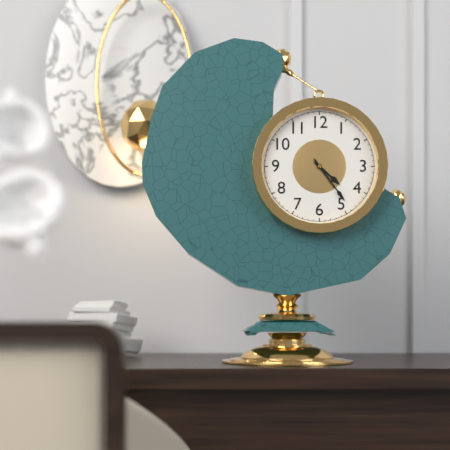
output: h=4 m=24
